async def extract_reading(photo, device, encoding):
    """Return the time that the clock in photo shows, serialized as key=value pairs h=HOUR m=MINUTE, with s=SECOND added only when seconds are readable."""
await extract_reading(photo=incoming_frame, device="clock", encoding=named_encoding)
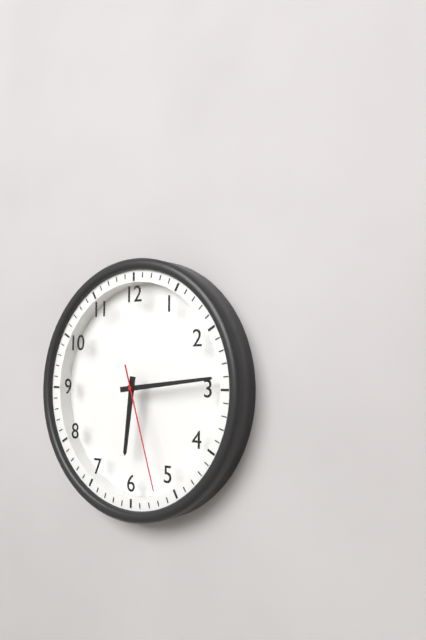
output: h=6 m=14 s=27
